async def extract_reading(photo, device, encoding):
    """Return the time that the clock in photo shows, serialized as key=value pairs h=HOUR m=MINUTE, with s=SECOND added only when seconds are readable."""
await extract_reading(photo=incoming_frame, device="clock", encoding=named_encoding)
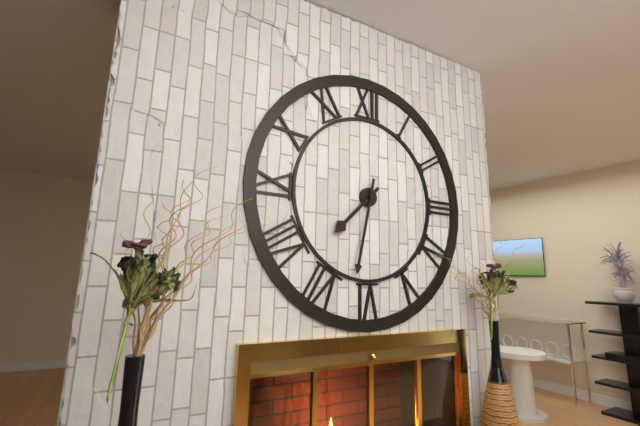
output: h=7 m=32
